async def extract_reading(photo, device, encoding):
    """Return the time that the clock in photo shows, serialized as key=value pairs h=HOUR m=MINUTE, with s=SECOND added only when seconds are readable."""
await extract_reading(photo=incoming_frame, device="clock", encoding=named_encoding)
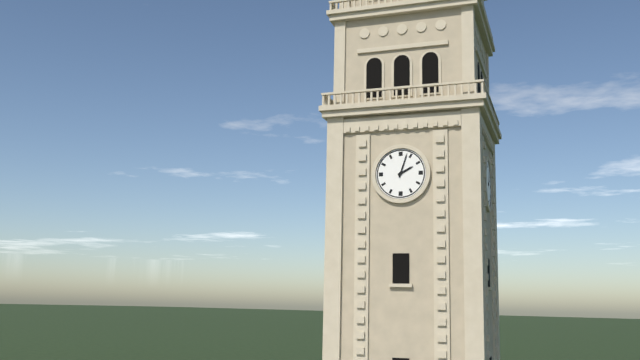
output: h=2 m=3
